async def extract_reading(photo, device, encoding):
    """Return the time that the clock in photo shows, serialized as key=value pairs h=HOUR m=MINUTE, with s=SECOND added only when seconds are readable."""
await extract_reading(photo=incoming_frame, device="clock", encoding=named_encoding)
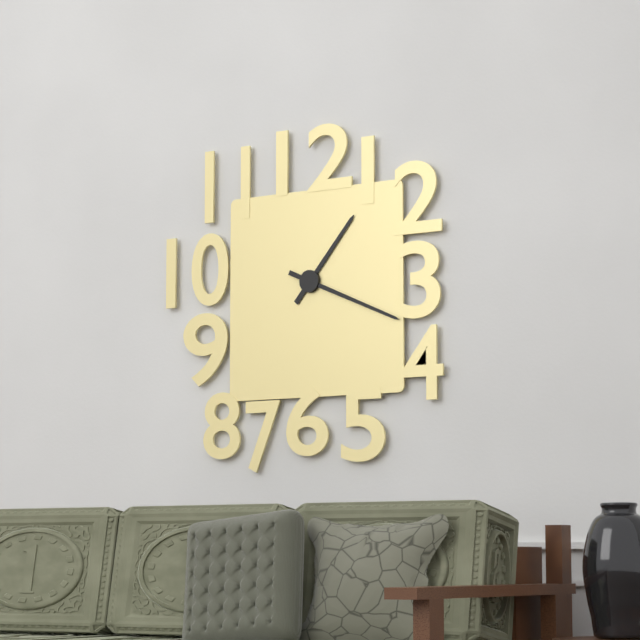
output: h=1 m=19
